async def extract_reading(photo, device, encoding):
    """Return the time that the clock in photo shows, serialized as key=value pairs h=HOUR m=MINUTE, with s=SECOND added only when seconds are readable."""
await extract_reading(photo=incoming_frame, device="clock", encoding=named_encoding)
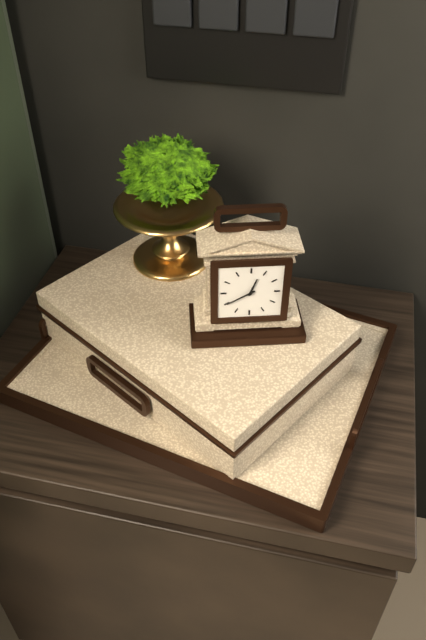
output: h=12 m=40
